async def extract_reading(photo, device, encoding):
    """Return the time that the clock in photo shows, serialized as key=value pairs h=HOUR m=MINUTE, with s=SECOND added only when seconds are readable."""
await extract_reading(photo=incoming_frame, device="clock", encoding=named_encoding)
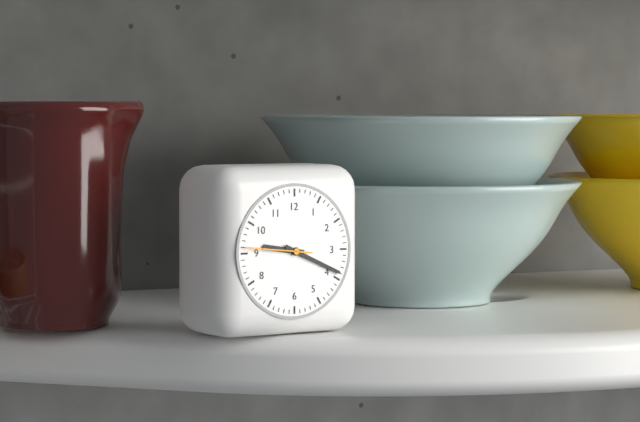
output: h=9 m=19 s=46
